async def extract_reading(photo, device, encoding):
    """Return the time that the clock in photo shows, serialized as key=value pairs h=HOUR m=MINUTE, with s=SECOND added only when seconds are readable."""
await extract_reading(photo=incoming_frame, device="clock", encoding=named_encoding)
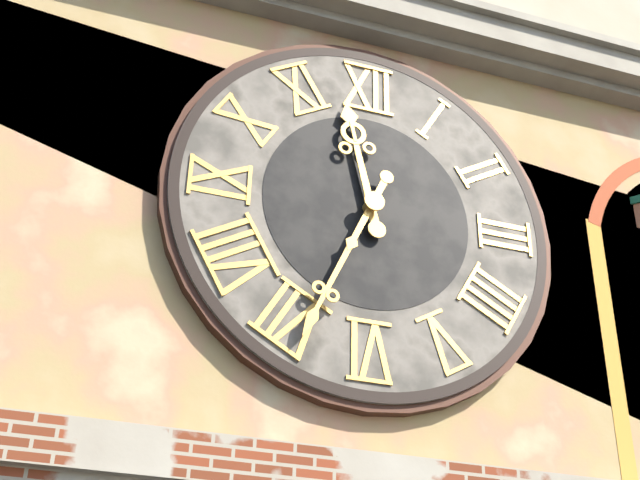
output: h=11 m=34
